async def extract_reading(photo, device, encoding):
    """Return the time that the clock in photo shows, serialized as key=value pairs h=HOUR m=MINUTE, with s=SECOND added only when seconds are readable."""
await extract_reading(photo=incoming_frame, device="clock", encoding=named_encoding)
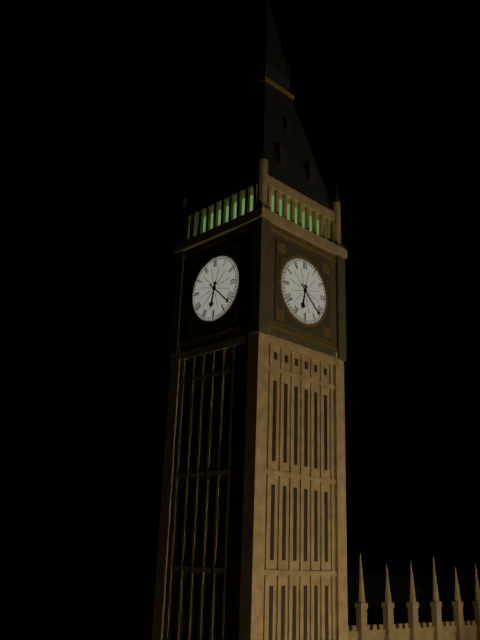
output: h=6 m=22
